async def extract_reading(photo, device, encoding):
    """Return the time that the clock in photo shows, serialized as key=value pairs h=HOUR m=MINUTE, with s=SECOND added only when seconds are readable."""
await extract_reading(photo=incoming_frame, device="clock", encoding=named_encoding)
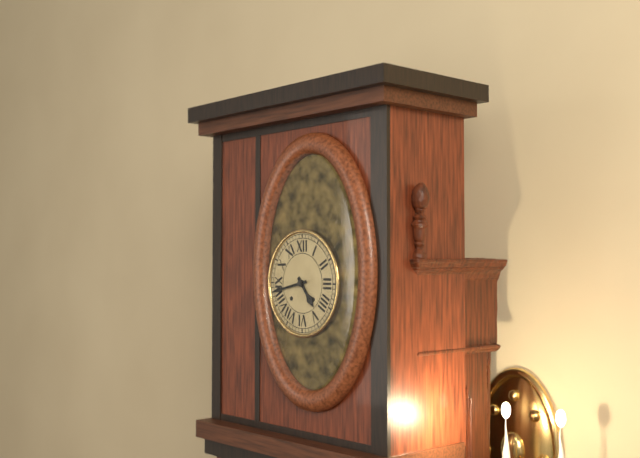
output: h=4 m=43
